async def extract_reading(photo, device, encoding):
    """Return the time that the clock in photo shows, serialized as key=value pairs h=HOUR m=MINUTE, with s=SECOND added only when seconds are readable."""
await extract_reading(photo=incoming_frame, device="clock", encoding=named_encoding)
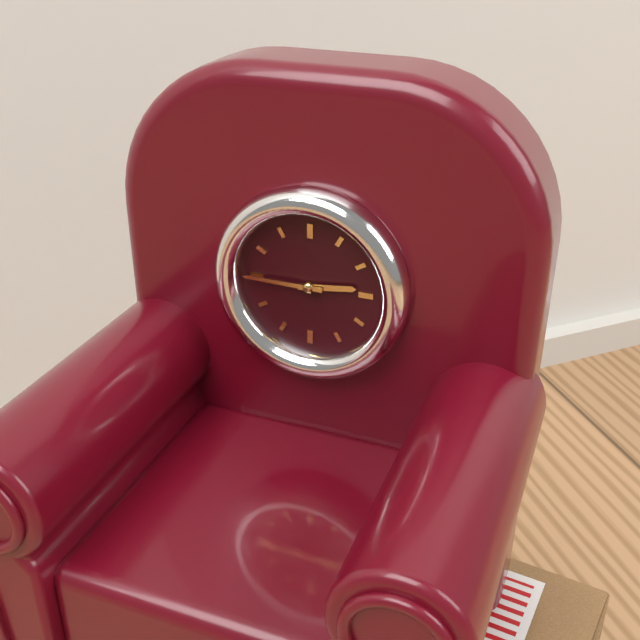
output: h=2 m=45
